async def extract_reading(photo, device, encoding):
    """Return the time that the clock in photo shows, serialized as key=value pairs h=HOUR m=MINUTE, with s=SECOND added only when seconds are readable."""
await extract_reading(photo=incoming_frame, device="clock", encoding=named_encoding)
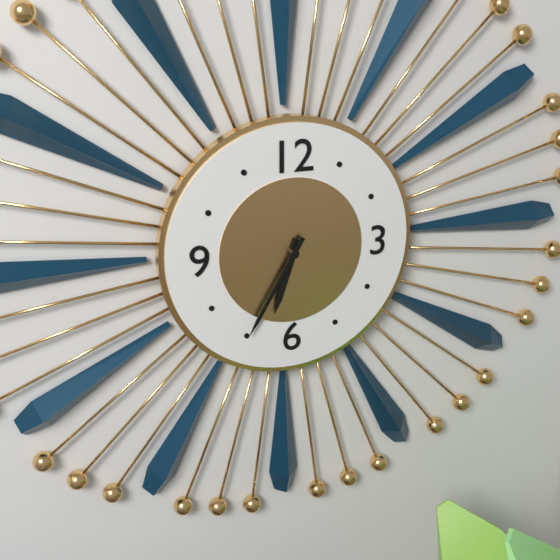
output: h=6 m=35
